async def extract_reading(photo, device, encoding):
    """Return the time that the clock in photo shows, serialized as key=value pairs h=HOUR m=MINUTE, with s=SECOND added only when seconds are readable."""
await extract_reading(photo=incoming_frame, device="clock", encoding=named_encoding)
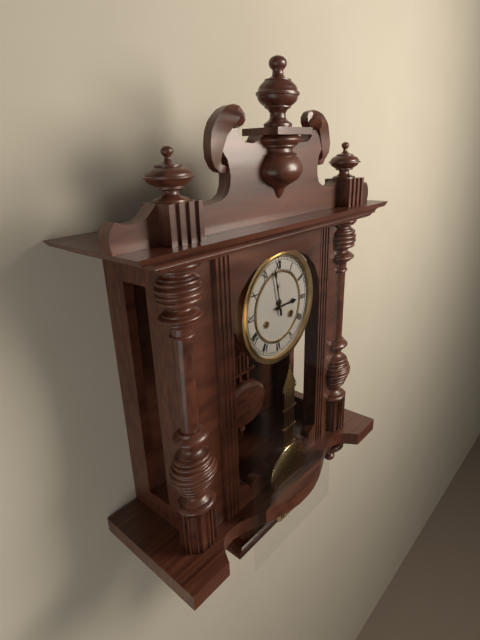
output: h=2 m=58
